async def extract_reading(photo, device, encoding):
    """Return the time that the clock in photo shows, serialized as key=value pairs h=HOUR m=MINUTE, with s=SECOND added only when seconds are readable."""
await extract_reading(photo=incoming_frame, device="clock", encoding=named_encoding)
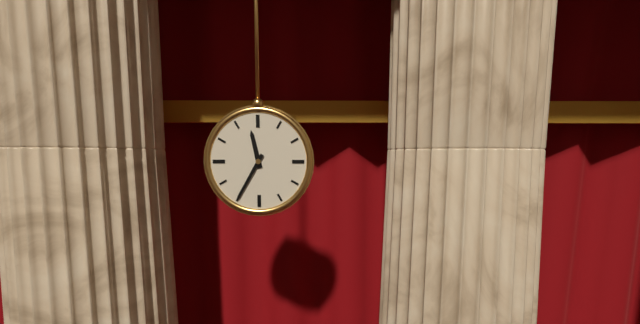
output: h=11 m=35
